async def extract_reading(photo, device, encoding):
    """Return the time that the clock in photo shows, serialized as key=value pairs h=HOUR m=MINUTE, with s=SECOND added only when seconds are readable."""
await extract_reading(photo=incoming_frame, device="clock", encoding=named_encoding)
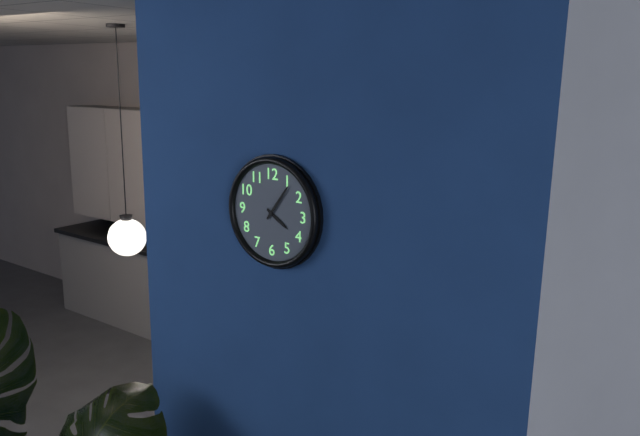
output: h=4 m=6
